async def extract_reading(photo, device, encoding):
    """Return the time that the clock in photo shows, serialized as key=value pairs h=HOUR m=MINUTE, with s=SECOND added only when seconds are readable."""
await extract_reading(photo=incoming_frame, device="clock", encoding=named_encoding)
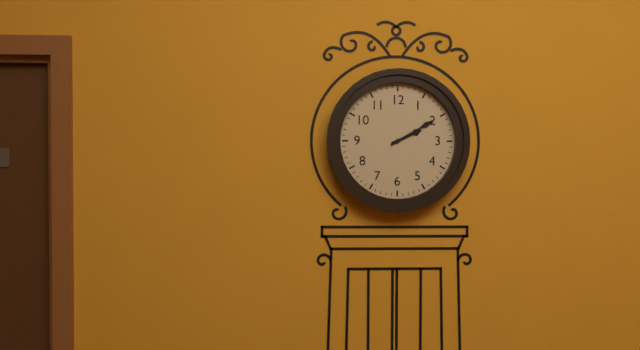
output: h=2 m=10
